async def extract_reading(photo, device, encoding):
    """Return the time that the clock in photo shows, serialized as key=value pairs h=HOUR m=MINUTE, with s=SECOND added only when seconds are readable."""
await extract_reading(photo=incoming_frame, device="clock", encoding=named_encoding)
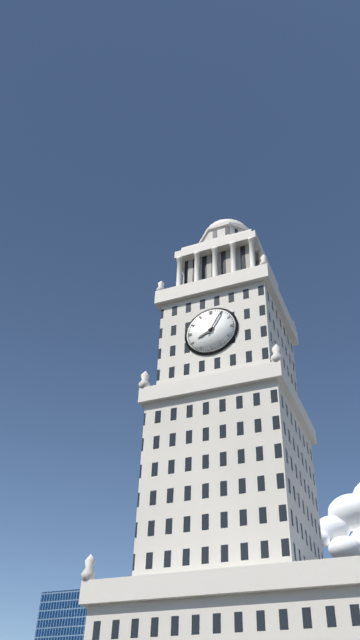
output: h=8 m=5
